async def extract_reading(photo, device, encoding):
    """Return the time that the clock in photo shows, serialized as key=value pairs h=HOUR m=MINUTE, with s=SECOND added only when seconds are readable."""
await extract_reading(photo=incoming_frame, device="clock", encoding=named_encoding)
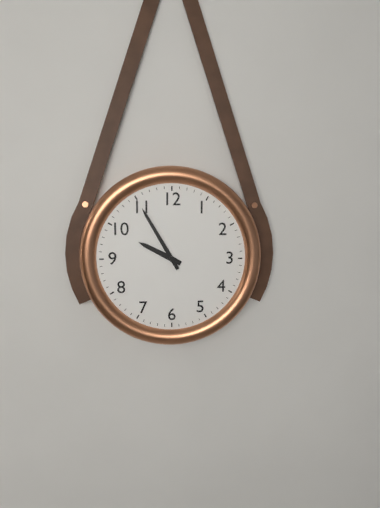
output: h=9 m=55
